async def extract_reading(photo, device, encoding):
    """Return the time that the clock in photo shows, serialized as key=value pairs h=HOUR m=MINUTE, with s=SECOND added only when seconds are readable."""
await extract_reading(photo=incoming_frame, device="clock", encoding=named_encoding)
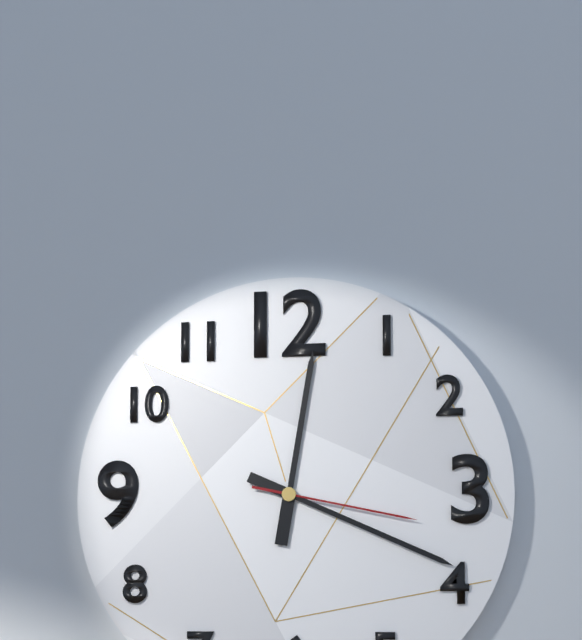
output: h=12 m=19 s=17
